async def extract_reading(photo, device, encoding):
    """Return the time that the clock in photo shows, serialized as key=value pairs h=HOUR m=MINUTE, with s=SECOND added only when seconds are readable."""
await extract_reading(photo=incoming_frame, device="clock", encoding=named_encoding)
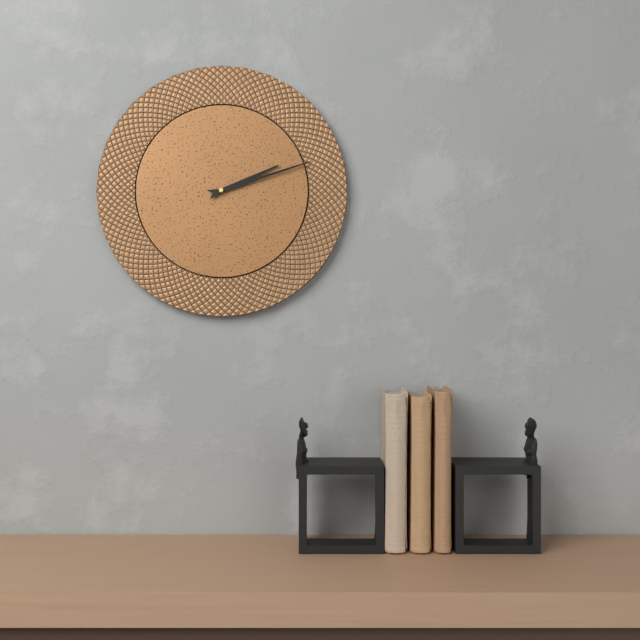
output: h=2 m=12
